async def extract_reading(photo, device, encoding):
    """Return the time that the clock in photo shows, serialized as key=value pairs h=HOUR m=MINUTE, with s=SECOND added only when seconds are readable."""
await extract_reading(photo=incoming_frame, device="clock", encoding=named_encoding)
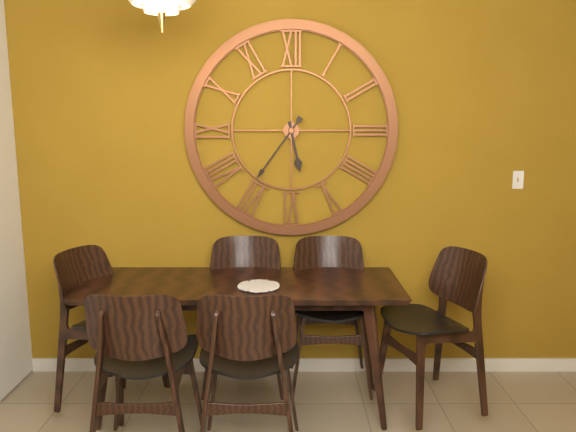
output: h=5 m=36
